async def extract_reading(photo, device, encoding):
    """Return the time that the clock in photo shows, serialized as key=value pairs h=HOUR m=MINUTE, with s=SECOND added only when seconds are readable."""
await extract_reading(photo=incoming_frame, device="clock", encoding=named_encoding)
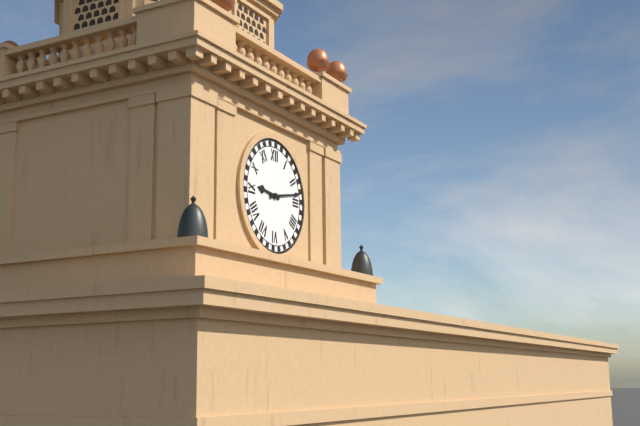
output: h=9 m=13
